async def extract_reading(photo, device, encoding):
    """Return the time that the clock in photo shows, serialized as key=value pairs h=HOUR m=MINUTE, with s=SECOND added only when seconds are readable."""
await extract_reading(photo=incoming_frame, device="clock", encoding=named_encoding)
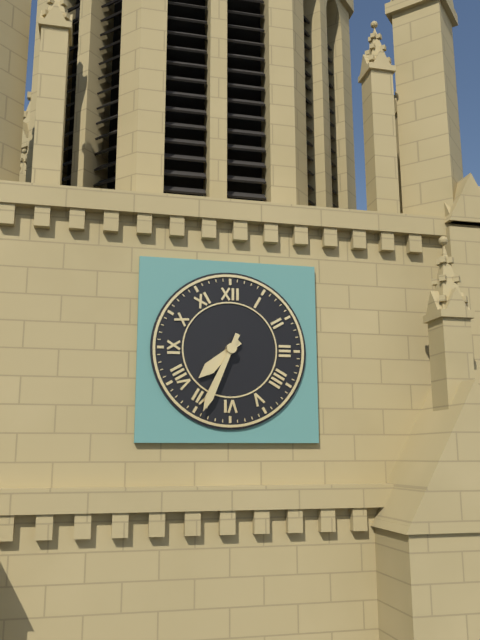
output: h=7 m=34
